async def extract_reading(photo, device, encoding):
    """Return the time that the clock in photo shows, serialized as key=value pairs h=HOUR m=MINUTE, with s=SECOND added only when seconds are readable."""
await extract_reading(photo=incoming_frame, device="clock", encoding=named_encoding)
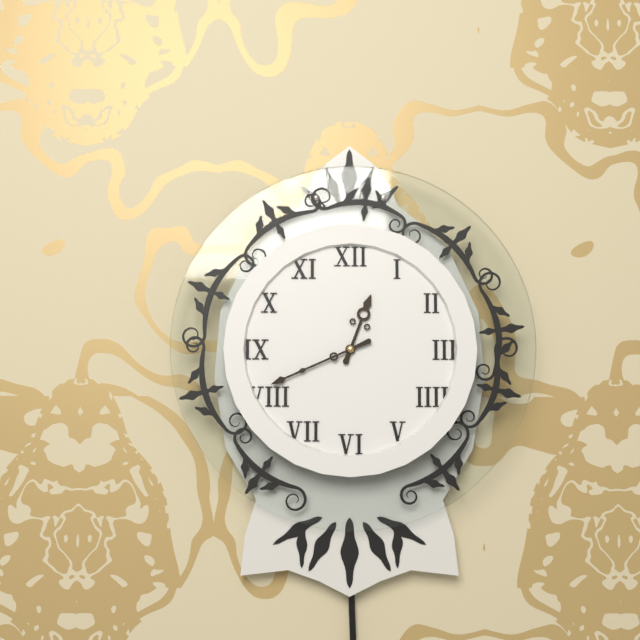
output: h=12 m=41
